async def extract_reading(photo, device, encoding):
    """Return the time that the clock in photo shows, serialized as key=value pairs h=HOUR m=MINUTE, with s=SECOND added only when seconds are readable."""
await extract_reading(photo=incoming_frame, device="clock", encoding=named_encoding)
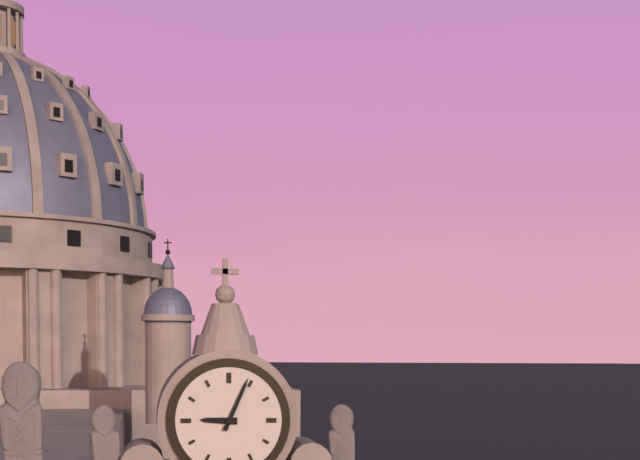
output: h=9 m=4
